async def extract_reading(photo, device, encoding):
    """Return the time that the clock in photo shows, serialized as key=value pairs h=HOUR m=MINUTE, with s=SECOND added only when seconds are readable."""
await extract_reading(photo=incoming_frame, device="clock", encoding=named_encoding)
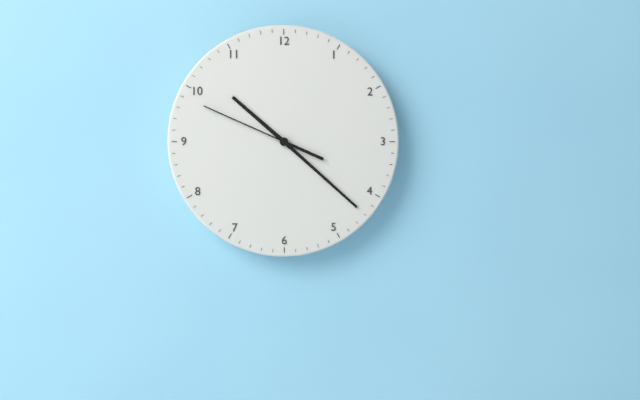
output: h=10 m=22 s=49
